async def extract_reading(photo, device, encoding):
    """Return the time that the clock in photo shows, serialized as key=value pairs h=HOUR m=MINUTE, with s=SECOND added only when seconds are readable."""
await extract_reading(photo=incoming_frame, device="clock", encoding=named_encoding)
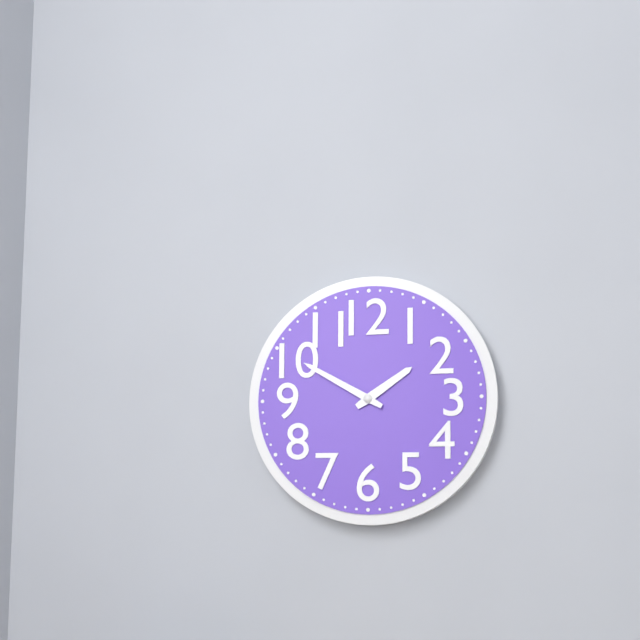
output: h=1 m=50
